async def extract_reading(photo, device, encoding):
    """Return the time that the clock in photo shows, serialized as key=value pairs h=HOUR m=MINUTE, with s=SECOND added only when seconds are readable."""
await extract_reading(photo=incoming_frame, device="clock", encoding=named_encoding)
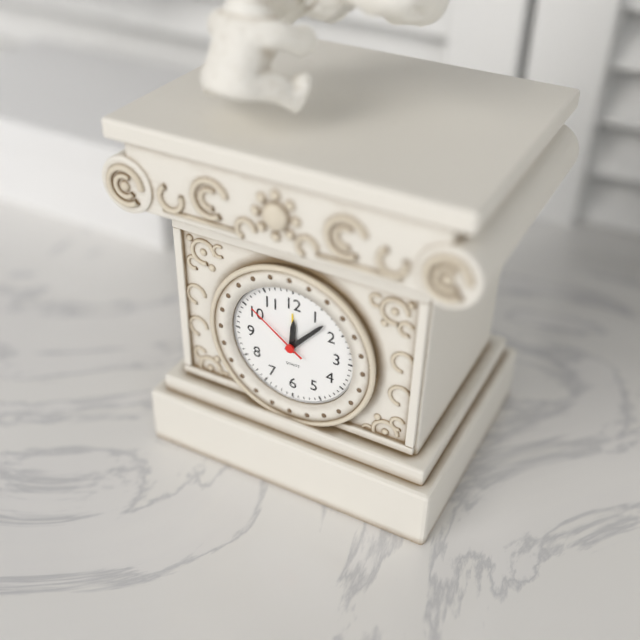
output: h=12 m=7 s=51
